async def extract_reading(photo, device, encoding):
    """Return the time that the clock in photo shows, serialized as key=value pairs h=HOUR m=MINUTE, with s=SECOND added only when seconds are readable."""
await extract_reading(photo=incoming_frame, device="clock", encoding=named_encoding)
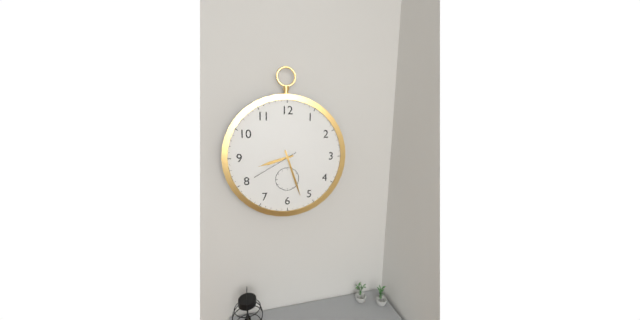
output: h=8 m=27
